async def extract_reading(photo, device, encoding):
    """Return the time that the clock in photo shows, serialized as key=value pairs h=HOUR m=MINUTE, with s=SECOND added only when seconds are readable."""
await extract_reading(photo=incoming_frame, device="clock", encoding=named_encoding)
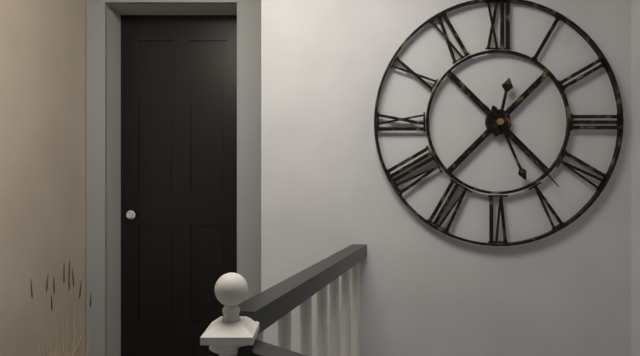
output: h=12 m=26 s=23
